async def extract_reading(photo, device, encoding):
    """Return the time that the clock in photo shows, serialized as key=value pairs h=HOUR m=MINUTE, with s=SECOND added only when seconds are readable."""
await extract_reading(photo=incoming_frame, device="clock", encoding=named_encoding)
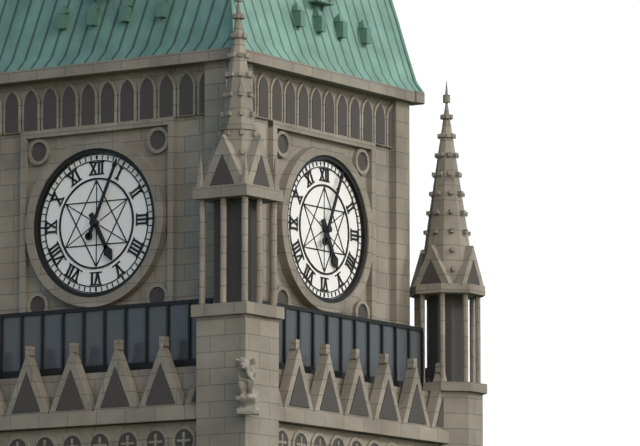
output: h=5 m=4
